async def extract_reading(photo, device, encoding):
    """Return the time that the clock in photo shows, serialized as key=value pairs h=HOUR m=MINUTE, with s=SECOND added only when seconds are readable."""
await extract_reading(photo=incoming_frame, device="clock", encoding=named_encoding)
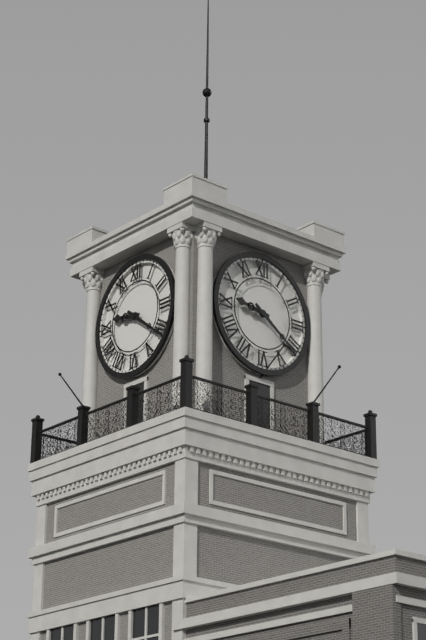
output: h=9 m=21
